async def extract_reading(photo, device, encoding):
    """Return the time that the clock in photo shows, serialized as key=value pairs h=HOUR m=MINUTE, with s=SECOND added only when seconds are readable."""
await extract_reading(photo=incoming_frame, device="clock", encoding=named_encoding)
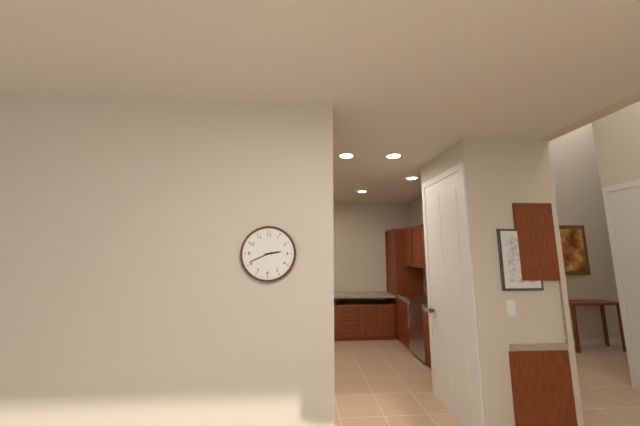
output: h=2 m=41
